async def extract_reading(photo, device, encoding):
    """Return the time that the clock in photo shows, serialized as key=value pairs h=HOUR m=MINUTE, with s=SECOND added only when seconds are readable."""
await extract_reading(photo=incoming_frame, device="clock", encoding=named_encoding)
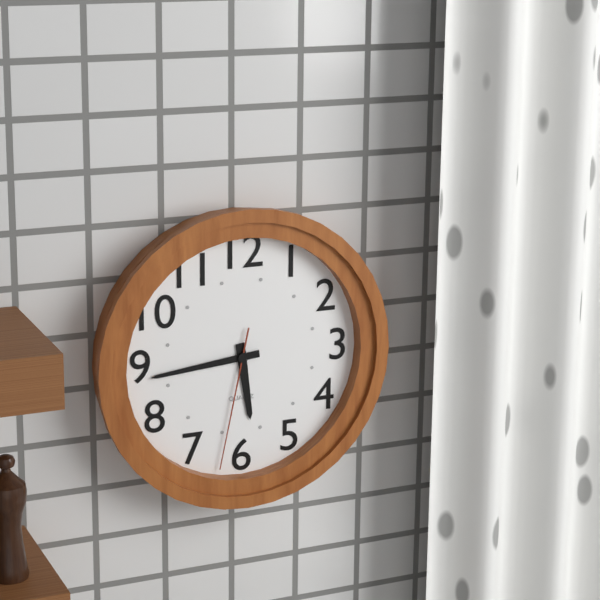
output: h=5 m=44 s=32
